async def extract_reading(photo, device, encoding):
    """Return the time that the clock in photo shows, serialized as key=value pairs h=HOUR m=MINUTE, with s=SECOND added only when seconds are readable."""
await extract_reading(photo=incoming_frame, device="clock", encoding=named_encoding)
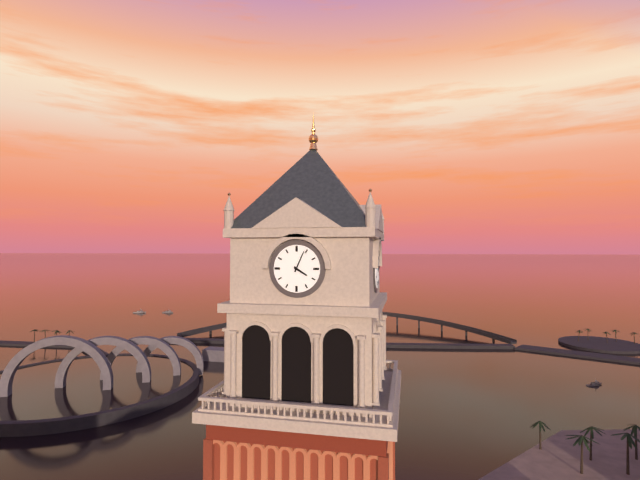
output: h=4 m=4
